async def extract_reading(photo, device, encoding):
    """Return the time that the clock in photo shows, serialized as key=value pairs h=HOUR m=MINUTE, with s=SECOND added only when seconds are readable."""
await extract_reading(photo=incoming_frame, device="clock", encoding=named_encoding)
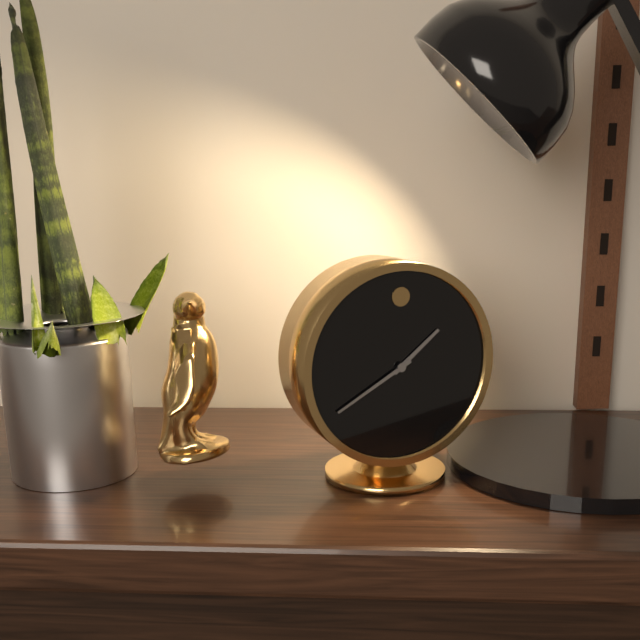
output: h=1 m=40
